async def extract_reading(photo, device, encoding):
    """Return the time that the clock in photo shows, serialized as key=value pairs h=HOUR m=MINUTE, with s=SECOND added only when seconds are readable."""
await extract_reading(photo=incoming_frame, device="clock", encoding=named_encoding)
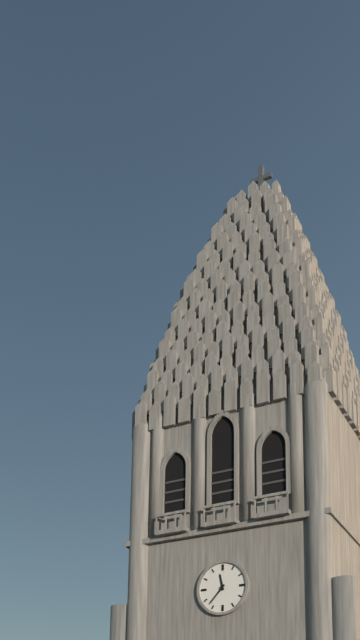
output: h=11 m=37
